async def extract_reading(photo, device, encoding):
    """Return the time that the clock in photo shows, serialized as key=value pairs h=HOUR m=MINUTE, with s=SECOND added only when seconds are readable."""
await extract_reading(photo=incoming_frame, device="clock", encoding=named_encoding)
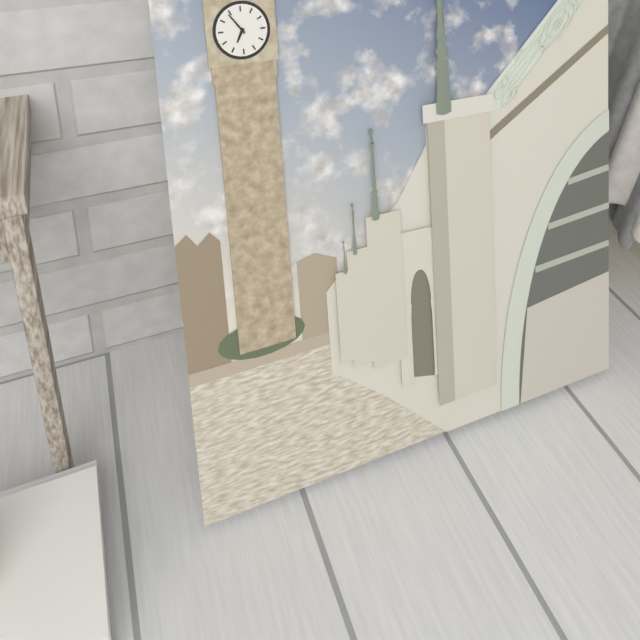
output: h=6 m=54
